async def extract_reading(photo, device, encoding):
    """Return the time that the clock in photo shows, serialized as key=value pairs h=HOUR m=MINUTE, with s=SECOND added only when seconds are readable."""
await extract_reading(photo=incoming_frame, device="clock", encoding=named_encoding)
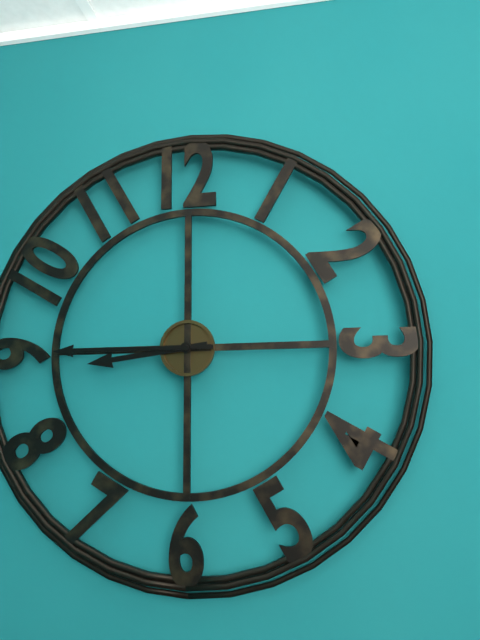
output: h=8 m=45
